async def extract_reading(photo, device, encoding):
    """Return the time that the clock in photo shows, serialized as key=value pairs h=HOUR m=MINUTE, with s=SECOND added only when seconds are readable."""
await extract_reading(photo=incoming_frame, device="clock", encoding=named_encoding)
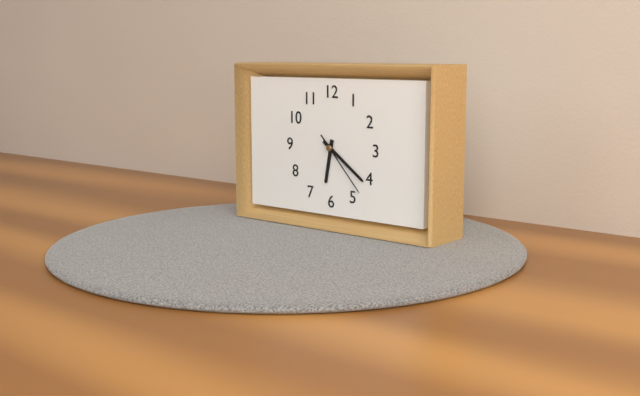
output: h=6 m=21 s=23
